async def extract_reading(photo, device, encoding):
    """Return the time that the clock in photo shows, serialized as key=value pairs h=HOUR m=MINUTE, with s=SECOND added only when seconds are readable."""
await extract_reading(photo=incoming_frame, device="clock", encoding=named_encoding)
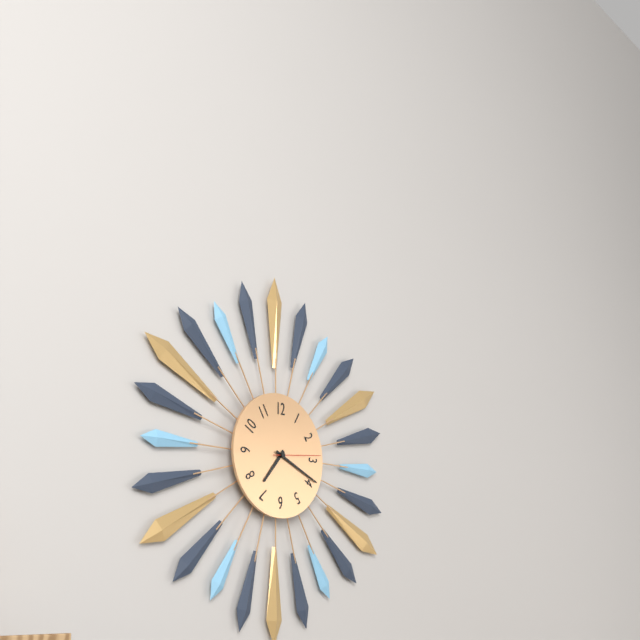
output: h=7 m=19
